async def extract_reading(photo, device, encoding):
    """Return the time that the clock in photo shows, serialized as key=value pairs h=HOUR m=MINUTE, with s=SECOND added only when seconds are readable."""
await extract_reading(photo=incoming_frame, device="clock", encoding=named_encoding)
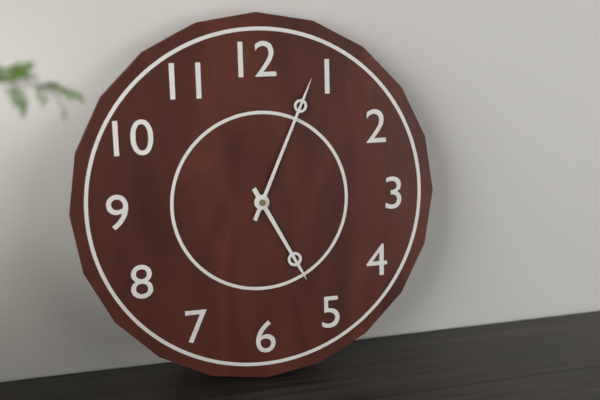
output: h=5 m=4
